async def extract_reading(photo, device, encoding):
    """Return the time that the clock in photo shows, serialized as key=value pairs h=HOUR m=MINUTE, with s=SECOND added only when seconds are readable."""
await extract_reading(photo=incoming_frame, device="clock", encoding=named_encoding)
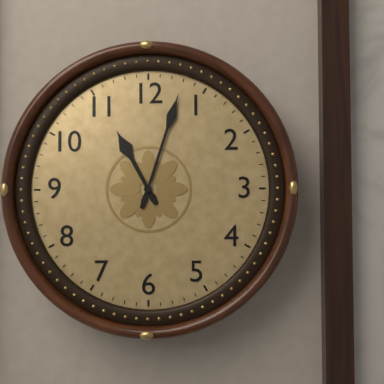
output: h=11 m=3
